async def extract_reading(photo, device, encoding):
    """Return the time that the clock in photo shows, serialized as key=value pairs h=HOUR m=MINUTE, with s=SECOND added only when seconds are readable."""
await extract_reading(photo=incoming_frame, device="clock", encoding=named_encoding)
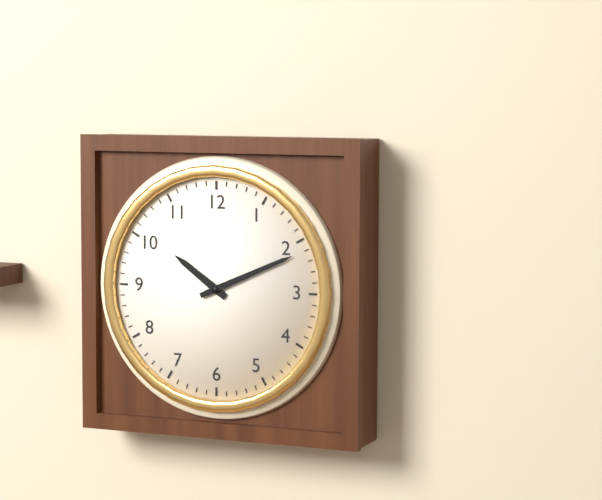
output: h=10 m=11
